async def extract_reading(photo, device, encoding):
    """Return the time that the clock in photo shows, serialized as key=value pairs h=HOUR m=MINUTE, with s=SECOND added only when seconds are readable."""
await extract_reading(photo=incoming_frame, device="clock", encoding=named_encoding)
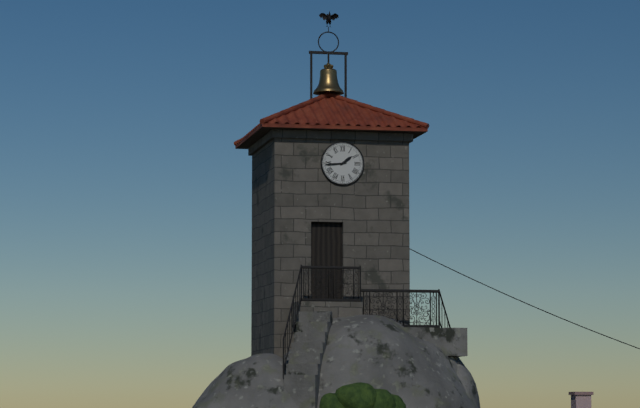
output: h=1 m=44
